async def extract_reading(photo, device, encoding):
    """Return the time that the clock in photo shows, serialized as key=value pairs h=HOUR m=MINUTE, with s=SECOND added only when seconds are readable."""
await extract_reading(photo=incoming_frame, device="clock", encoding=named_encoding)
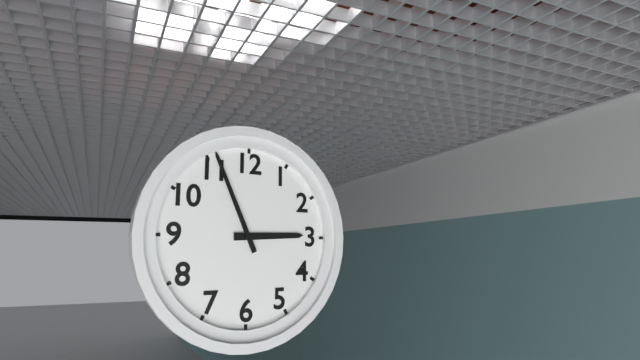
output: h=2 m=56
